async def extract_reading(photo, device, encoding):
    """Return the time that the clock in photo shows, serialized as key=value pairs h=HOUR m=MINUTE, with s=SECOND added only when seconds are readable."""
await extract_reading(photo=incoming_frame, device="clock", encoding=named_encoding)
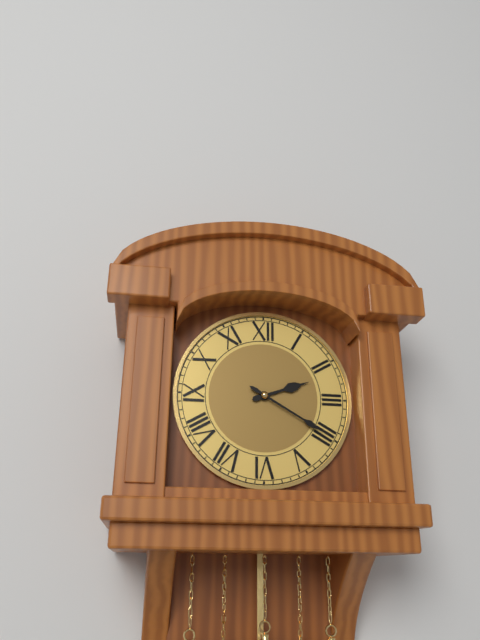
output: h=2 m=20
